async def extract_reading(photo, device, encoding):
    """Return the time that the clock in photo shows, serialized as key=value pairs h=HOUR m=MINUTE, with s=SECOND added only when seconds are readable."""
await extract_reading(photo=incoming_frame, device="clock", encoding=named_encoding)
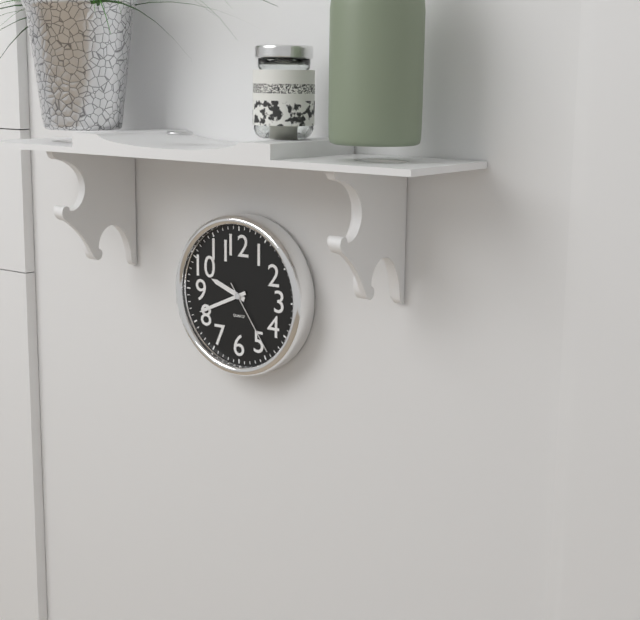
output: h=9 m=41 s=24
